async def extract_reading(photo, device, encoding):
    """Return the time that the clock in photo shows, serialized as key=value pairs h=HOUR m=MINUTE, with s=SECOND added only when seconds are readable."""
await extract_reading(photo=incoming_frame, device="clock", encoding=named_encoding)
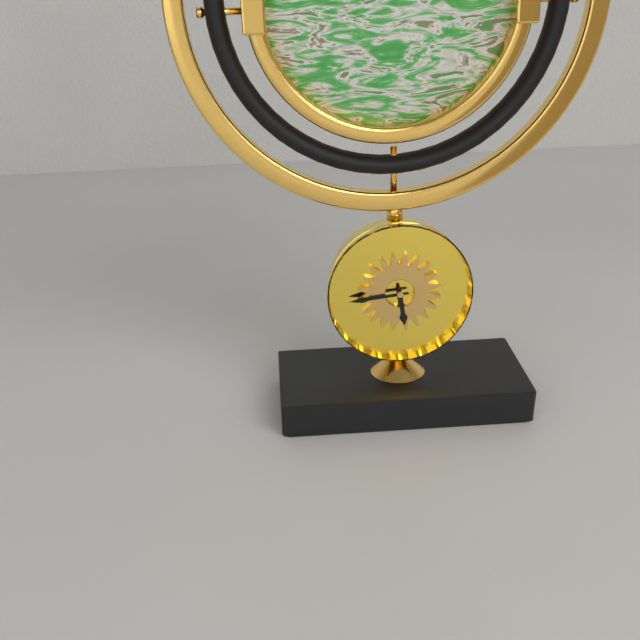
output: h=5 m=44
